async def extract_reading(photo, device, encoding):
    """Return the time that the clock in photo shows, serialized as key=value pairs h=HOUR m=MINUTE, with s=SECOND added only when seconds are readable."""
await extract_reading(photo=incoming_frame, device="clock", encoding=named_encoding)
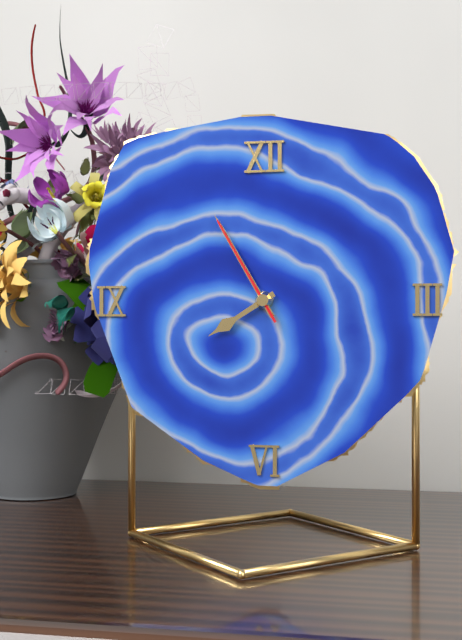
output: h=7 m=55 s=55
